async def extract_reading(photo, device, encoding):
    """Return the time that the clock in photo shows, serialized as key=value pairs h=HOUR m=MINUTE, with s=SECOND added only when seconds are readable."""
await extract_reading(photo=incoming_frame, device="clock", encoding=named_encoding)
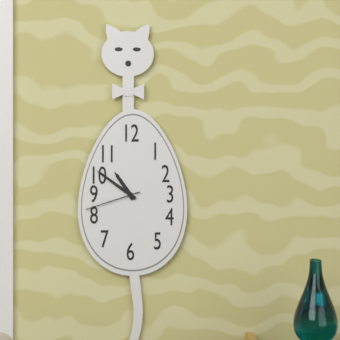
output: h=10 m=51 s=42
